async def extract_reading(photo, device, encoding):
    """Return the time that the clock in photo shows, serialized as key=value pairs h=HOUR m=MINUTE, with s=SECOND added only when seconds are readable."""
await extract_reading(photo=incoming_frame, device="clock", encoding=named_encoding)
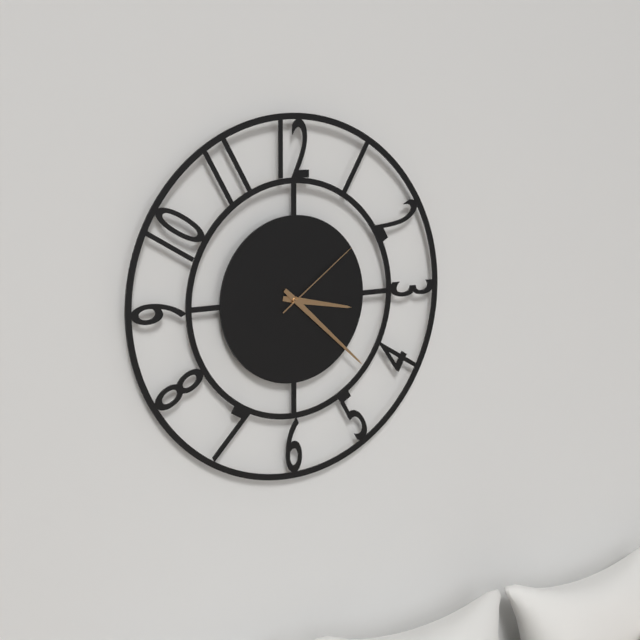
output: h=3 m=22 s=9
